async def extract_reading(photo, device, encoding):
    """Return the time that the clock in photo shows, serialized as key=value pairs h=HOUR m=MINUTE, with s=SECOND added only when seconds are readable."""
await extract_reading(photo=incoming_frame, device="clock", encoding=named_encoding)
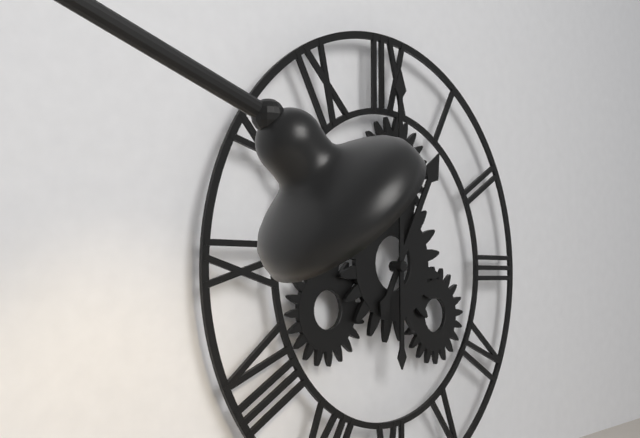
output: h=1 m=0
